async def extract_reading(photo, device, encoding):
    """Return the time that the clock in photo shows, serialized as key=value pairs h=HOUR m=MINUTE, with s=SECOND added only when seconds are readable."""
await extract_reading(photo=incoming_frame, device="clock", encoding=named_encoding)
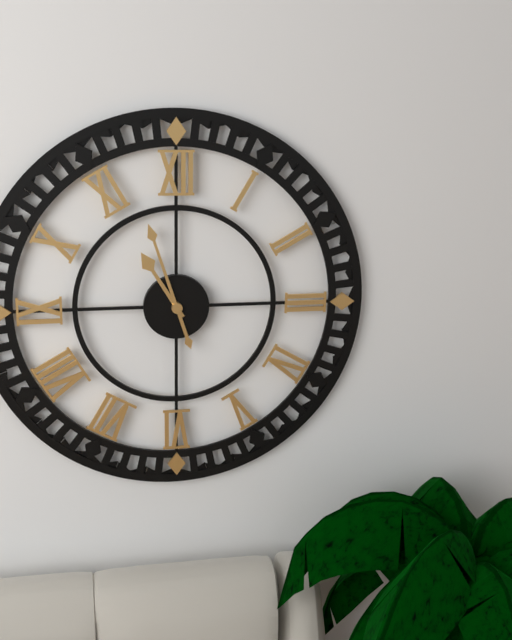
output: h=10 m=57
